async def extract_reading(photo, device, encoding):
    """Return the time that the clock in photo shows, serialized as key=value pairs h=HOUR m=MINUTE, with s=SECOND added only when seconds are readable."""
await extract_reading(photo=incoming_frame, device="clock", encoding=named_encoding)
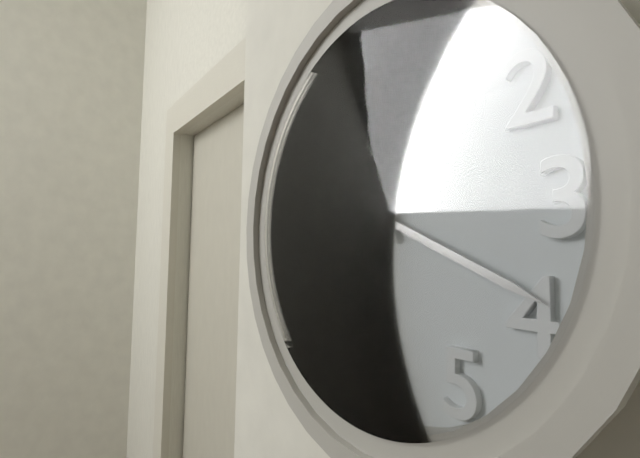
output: h=11 m=19 s=36
